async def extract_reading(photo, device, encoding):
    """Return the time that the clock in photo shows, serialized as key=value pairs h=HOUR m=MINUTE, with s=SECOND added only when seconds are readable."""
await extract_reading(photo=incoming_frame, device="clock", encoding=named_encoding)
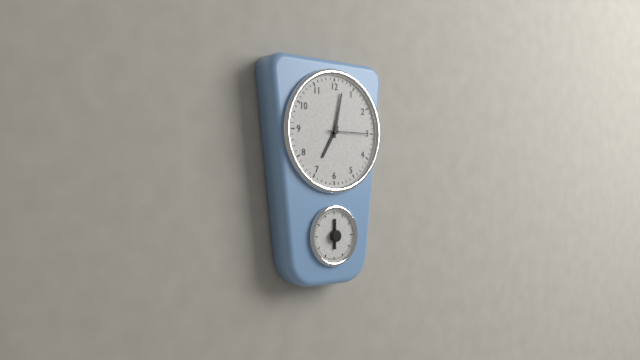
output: h=7 m=2
